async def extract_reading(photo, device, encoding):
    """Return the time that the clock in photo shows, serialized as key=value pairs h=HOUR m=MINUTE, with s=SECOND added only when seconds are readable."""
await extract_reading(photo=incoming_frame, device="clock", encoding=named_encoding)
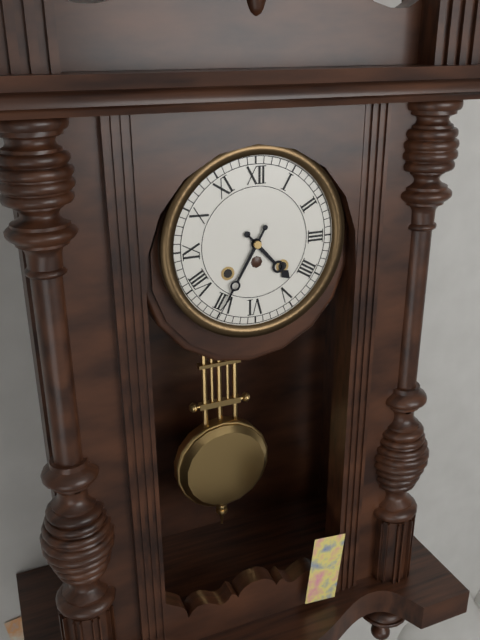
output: h=4 m=35
